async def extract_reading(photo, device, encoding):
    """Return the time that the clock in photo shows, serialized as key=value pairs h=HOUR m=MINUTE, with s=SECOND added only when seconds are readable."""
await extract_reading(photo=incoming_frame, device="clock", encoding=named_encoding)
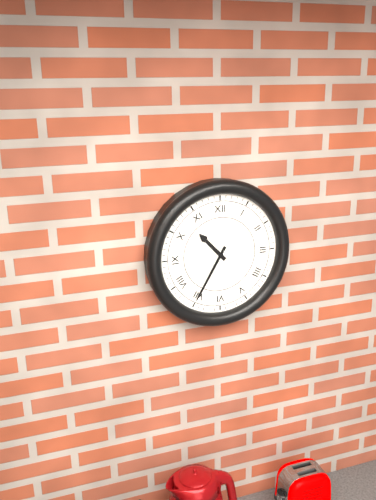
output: h=10 m=35
